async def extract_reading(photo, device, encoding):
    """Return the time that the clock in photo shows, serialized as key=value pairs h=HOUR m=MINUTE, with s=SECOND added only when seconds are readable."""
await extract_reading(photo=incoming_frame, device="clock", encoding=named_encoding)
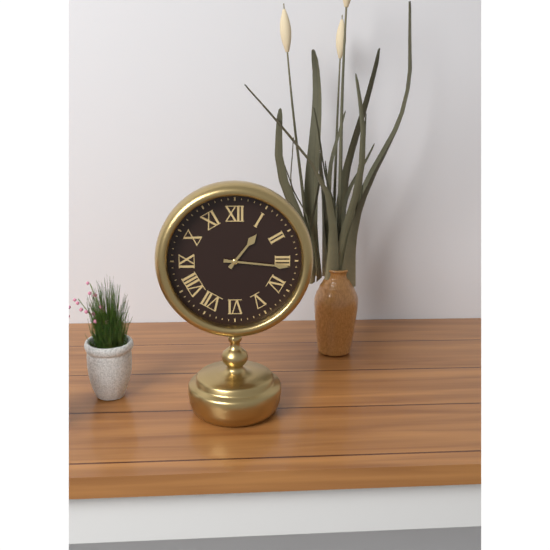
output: h=1 m=16
